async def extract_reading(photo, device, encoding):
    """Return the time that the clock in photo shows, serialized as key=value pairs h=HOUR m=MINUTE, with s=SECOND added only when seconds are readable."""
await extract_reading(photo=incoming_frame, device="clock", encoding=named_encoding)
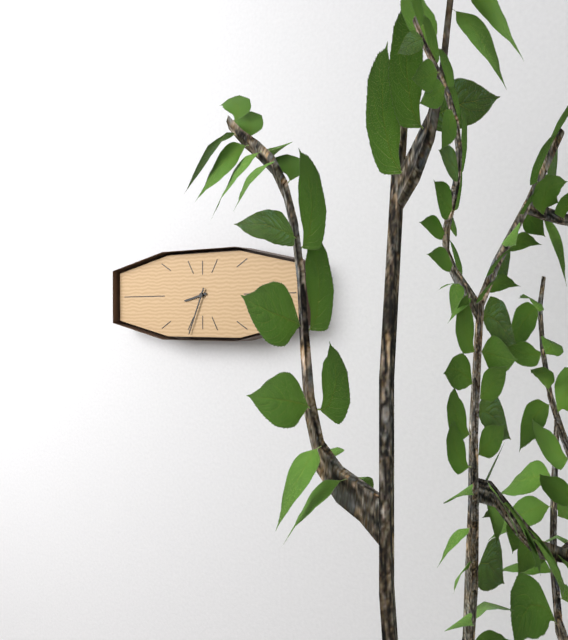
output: h=8 m=34
